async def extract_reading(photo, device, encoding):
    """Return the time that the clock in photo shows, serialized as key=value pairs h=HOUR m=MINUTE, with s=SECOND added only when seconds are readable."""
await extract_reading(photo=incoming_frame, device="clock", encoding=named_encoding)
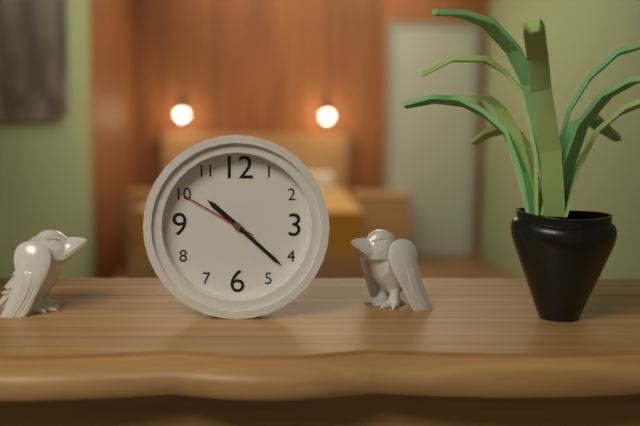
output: h=10 m=22 s=50
